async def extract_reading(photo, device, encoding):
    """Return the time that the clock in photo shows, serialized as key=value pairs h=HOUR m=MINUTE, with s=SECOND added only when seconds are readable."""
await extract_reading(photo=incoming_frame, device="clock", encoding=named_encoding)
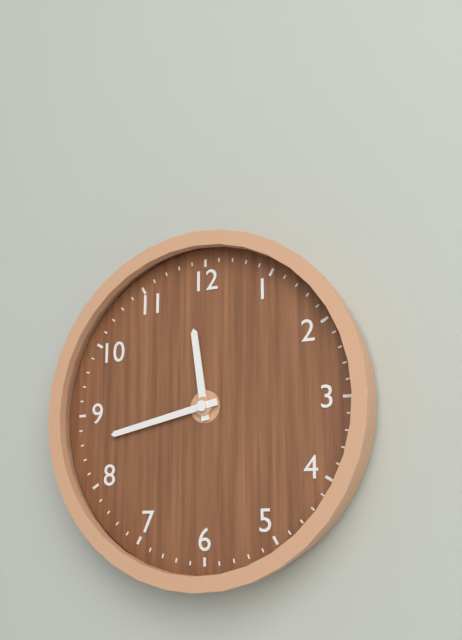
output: h=11 m=43
